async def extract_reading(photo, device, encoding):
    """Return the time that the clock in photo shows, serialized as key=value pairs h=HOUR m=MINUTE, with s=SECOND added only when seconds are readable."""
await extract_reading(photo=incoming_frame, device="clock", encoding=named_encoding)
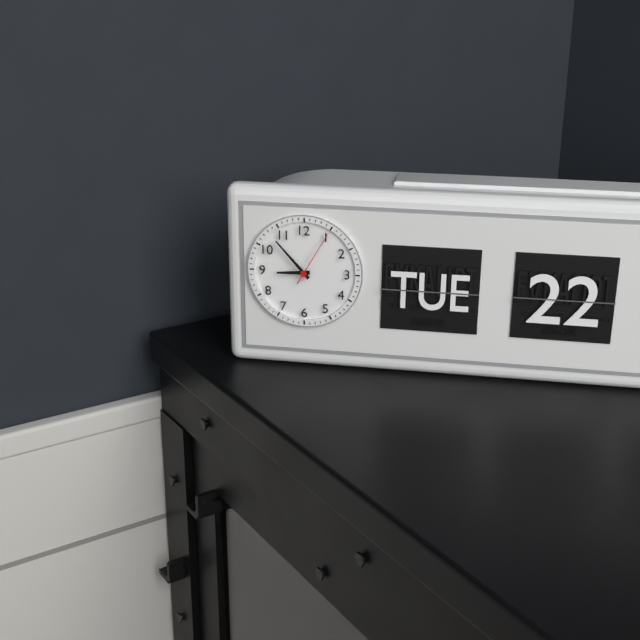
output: h=8 m=53 s=5
